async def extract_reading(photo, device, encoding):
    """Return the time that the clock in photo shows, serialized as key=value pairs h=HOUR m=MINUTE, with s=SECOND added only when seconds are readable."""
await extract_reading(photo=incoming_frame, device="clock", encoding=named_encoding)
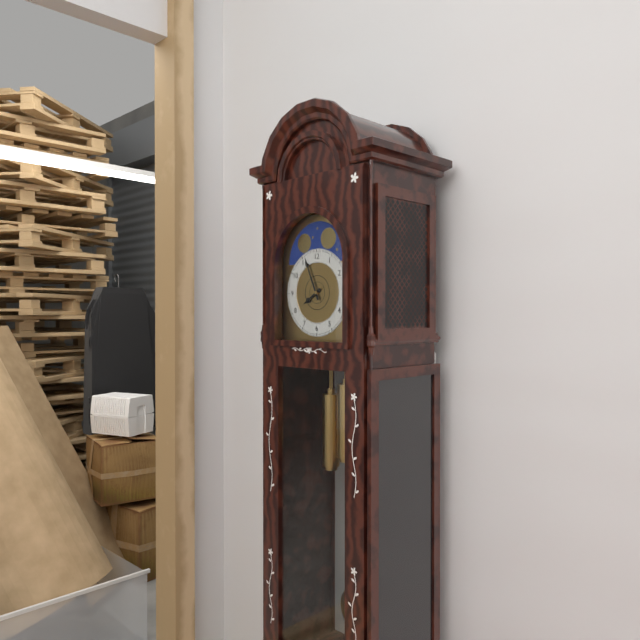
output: h=7 m=56
